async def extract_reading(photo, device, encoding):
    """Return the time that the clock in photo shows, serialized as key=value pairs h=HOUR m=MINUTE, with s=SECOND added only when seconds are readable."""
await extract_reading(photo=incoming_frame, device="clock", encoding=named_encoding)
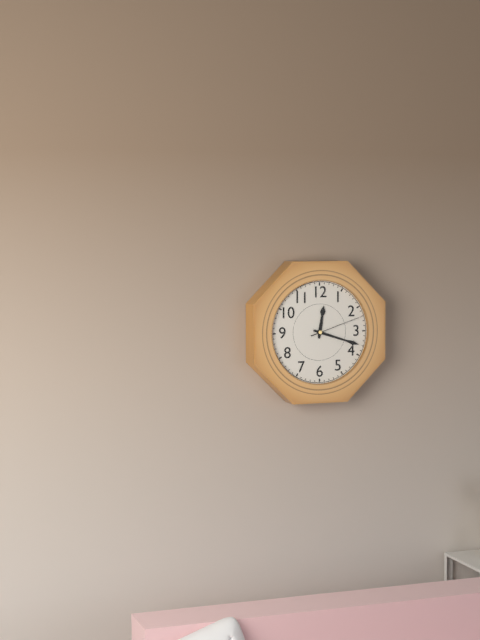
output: h=12 m=18 s=12
